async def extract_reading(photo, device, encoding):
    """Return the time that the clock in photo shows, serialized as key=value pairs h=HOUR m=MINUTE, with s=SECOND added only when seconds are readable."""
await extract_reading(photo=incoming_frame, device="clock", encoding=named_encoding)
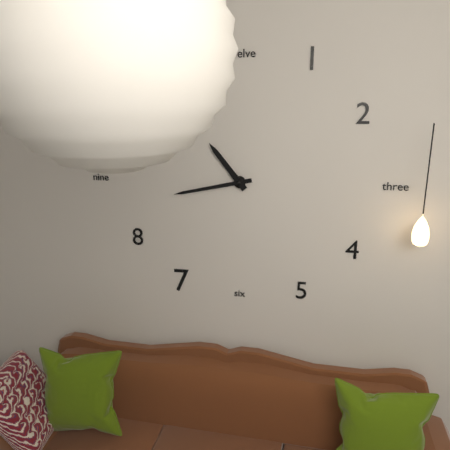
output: h=10 m=43
